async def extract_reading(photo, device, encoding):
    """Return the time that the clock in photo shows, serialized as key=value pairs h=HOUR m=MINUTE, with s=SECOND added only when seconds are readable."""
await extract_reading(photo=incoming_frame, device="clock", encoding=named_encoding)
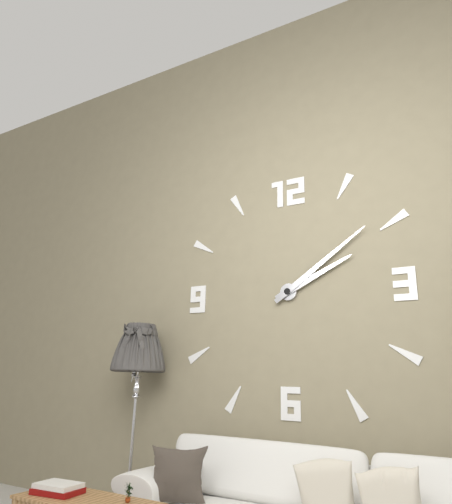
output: h=2 m=9
